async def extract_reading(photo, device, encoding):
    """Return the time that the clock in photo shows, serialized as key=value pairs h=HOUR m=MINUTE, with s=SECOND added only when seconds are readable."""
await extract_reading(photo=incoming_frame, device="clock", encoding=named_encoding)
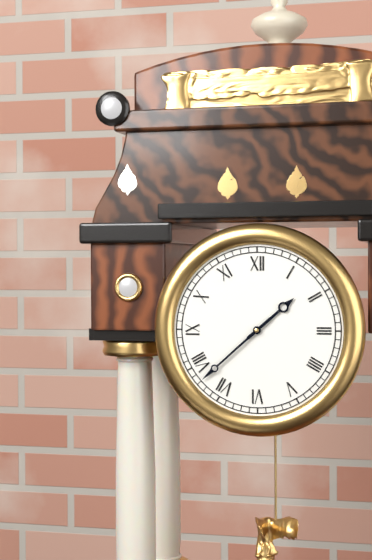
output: h=1 m=38
